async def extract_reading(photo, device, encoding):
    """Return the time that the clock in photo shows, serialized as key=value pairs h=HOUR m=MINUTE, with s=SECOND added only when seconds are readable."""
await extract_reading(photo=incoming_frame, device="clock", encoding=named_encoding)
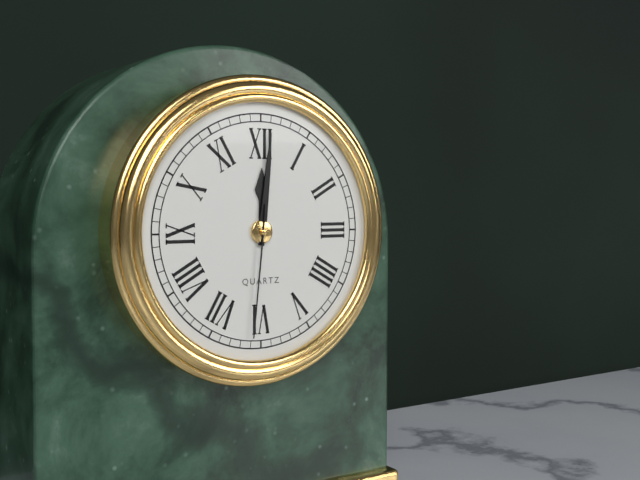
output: h=12 m=1 s=31
